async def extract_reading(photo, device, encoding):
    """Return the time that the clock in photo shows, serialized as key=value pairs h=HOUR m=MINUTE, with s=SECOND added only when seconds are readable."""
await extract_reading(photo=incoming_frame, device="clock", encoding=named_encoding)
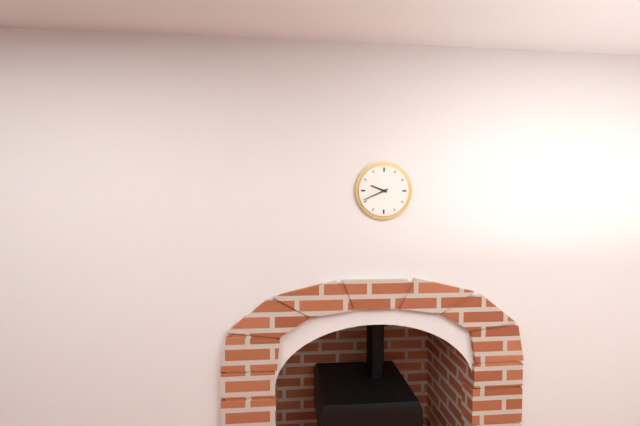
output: h=9 m=41
